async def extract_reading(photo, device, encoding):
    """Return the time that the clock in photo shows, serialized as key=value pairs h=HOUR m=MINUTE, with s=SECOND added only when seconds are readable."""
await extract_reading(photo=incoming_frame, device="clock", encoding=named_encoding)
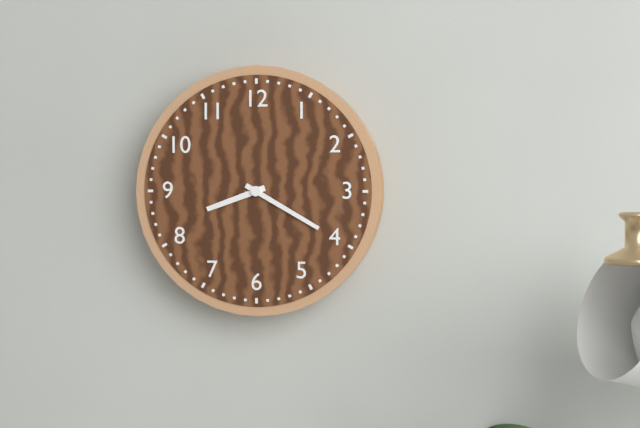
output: h=8 m=20
